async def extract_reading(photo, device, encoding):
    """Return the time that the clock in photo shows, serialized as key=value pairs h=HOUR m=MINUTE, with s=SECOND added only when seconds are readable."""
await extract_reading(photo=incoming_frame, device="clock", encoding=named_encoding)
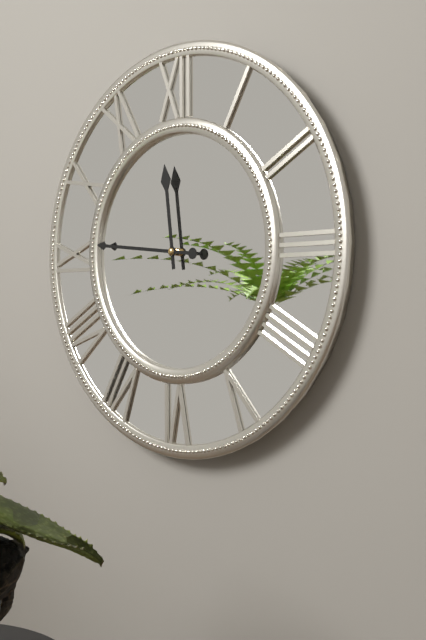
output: h=11 m=46
